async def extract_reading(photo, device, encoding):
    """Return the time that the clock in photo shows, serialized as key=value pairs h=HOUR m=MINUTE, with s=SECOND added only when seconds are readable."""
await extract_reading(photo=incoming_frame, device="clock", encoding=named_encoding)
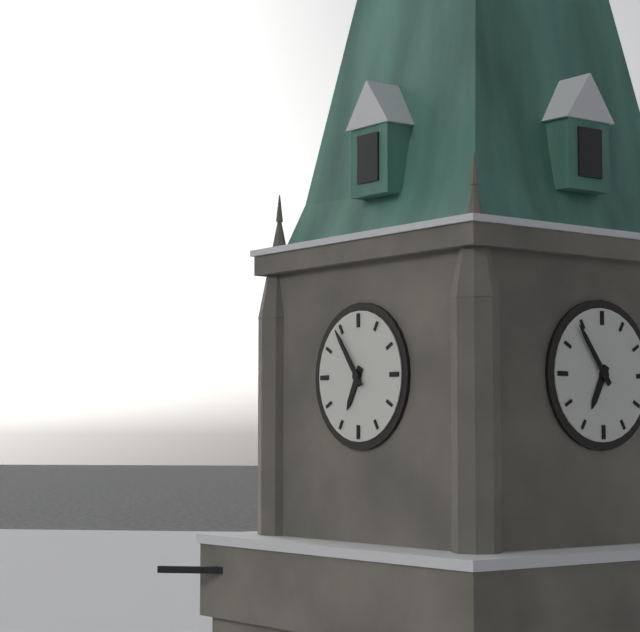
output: h=6 m=54
